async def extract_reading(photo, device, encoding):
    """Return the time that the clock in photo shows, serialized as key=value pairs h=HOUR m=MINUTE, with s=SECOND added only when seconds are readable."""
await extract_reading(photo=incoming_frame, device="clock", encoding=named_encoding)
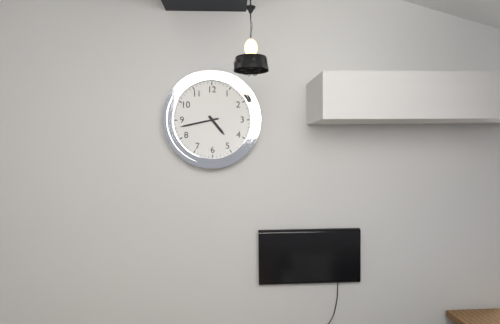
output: h=4 m=43
